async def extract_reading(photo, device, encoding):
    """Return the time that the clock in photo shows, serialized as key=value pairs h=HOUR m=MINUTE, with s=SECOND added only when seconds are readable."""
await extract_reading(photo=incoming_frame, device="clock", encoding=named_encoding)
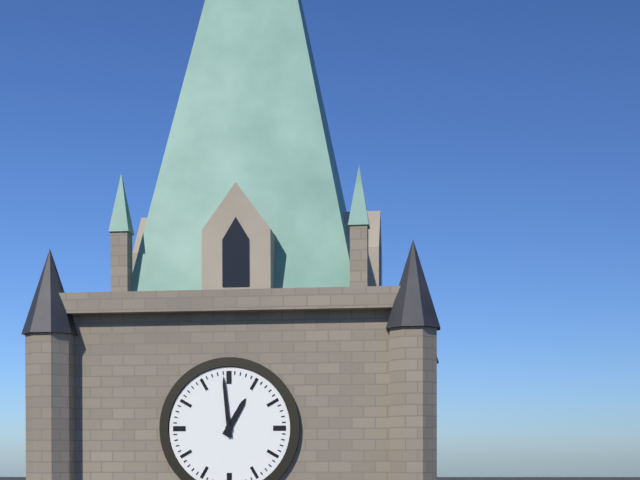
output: h=12 m=59
